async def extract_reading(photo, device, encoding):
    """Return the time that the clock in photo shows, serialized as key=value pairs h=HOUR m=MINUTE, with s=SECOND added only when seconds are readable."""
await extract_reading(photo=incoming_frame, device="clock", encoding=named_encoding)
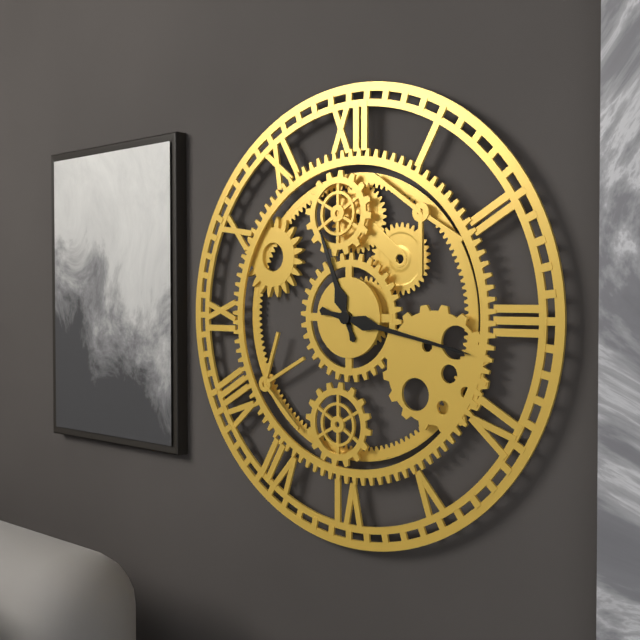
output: h=11 m=17
